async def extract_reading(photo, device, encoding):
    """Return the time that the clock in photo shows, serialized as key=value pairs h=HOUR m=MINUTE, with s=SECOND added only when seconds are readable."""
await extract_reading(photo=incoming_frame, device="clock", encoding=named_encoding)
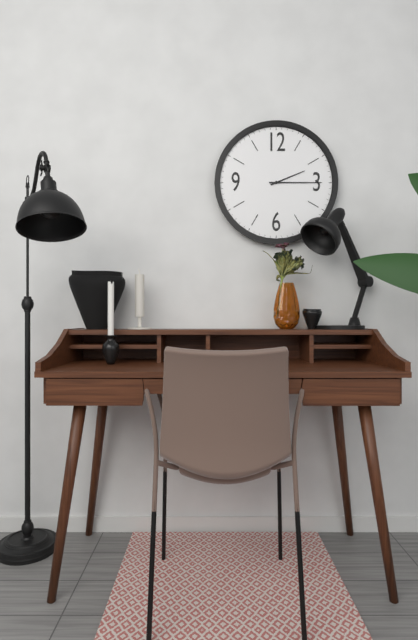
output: h=2 m=15
